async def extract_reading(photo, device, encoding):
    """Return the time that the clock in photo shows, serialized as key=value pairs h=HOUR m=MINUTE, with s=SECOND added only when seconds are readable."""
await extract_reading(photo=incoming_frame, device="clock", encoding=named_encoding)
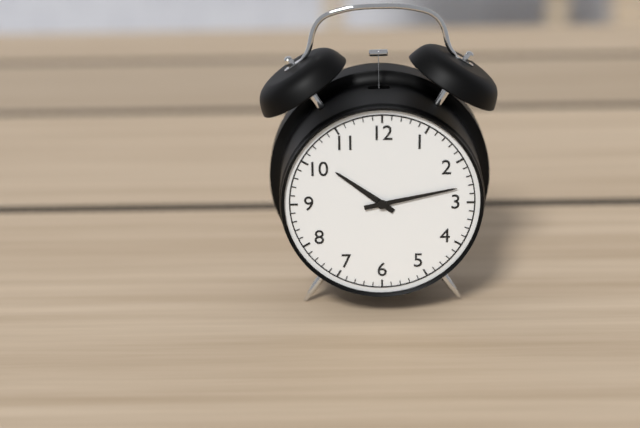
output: h=10 m=13
